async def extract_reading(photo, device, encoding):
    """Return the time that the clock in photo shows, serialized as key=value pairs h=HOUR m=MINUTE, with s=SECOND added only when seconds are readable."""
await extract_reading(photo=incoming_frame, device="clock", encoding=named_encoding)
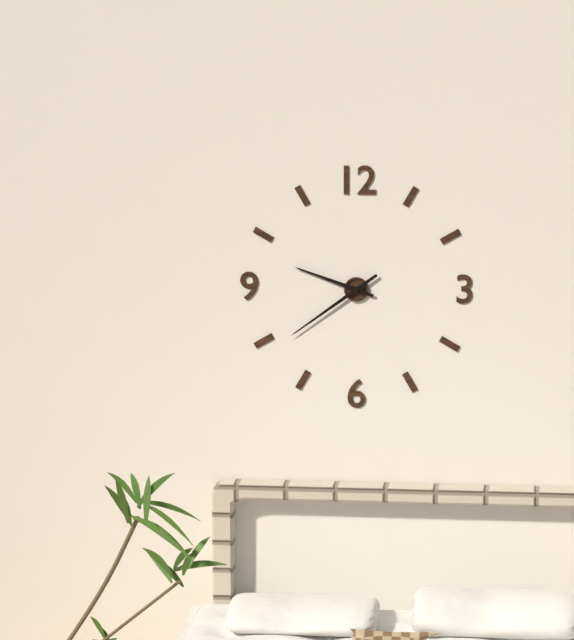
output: h=9 m=39
